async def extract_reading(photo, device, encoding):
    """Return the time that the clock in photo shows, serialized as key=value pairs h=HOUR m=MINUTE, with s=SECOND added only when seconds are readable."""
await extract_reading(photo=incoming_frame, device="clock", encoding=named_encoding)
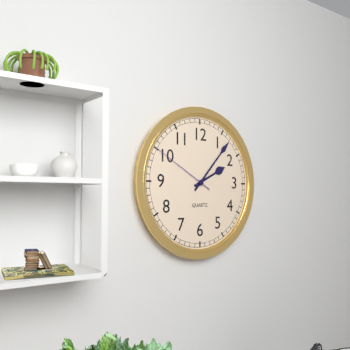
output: h=2 m=7 s=50
